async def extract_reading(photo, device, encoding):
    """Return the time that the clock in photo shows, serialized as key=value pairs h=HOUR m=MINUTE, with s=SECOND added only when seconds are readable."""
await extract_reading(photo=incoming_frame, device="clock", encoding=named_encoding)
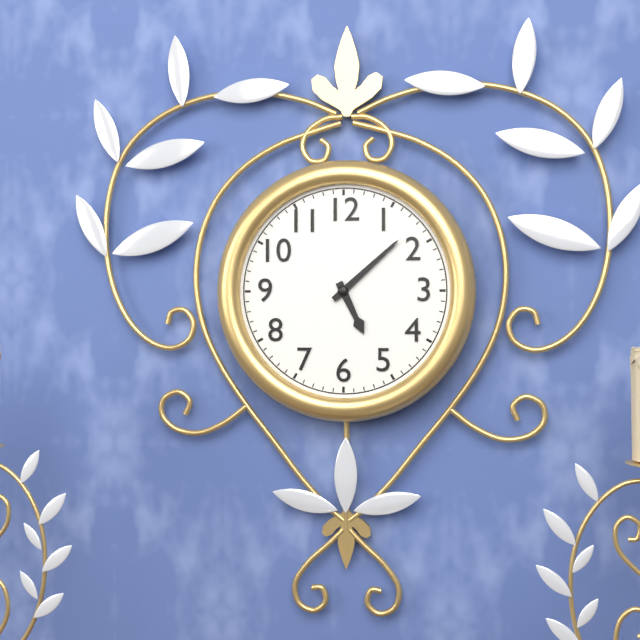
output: h=5 m=8
